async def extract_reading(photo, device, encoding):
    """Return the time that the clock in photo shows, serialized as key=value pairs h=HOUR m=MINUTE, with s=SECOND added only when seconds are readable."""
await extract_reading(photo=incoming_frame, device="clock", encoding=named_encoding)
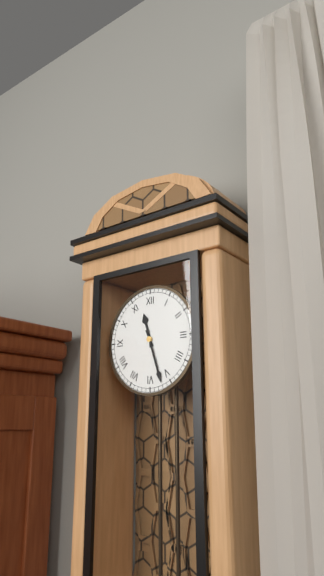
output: h=11 m=27
